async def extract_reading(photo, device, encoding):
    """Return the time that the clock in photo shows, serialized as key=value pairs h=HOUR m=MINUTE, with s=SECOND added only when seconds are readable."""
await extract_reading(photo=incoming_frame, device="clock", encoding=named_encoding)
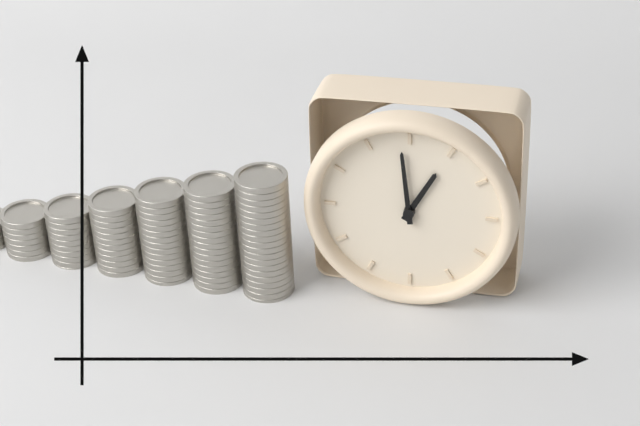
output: h=12 m=59
